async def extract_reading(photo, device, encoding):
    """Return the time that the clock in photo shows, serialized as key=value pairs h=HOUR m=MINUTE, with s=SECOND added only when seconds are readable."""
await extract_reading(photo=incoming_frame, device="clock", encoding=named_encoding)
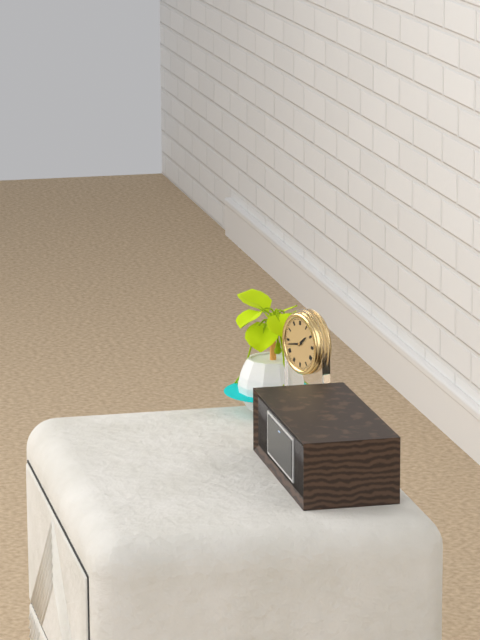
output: h=1 m=43
